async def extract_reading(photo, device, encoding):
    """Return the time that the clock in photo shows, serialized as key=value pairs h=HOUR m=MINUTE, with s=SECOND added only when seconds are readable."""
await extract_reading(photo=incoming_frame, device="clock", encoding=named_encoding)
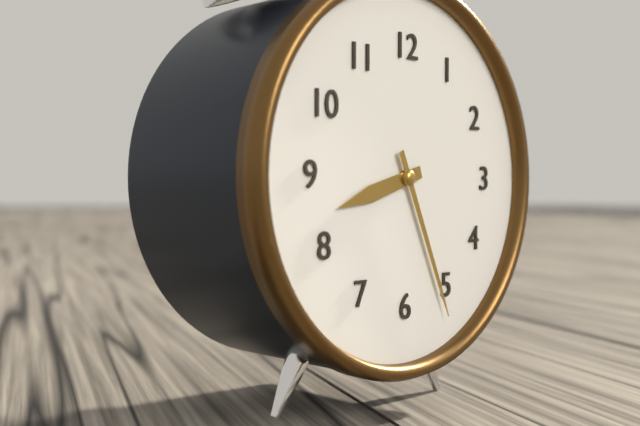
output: h=8 m=26
